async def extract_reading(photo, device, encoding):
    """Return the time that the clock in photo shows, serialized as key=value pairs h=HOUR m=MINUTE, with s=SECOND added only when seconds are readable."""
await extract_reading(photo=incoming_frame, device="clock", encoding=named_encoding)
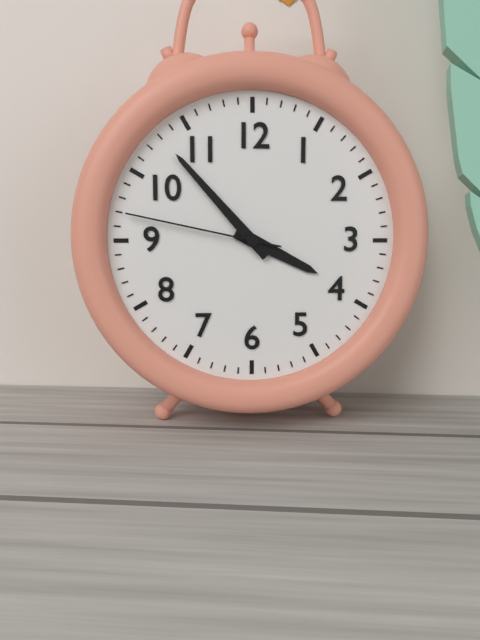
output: h=3 m=53 s=47
